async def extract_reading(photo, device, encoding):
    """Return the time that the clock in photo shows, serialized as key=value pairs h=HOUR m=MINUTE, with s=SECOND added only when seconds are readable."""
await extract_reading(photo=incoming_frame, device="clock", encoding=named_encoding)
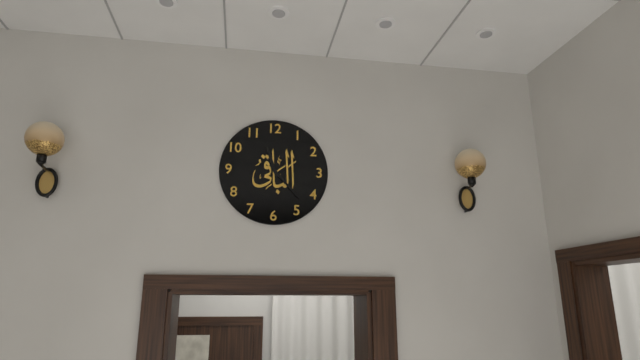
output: h=11 m=23
